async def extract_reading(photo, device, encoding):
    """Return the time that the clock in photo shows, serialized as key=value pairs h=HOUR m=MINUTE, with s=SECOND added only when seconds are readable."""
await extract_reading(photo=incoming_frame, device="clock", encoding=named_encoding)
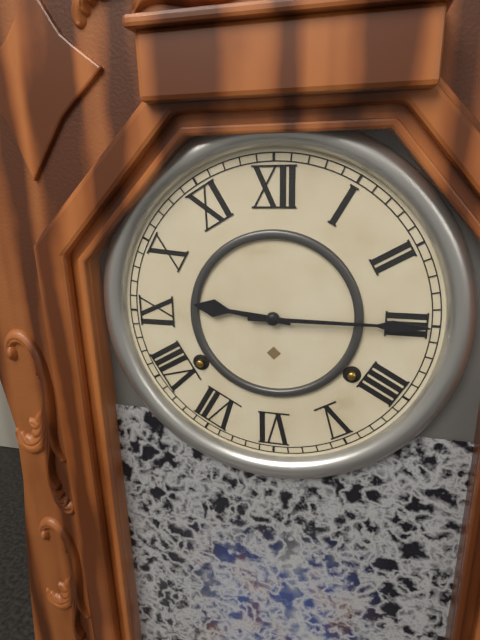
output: h=9 m=15
